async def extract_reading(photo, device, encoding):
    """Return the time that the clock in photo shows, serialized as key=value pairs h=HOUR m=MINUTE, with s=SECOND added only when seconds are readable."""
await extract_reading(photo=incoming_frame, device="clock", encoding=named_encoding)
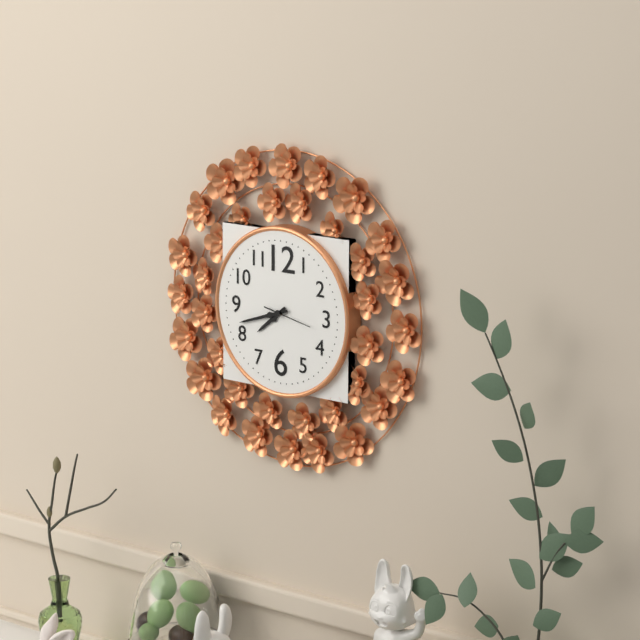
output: h=7 m=42
